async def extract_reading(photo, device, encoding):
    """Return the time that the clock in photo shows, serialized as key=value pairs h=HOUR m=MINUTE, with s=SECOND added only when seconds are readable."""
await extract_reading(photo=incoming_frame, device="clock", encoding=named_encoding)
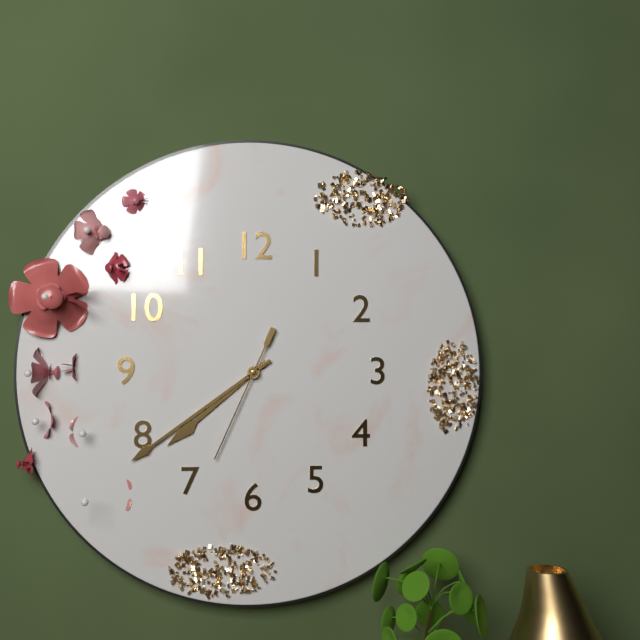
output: h=7 m=39 s=34
